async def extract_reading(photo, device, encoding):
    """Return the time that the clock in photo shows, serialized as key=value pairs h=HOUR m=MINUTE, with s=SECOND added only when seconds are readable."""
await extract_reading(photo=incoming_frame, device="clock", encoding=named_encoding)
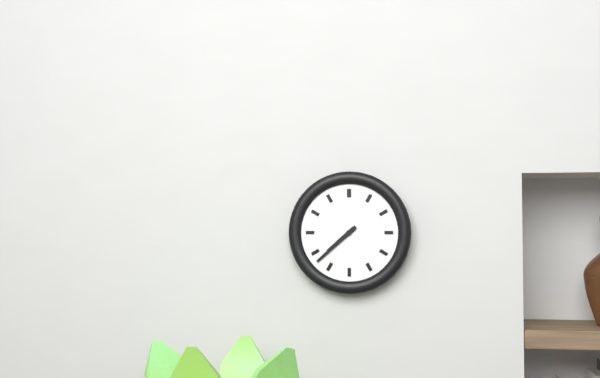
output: h=7 m=38
